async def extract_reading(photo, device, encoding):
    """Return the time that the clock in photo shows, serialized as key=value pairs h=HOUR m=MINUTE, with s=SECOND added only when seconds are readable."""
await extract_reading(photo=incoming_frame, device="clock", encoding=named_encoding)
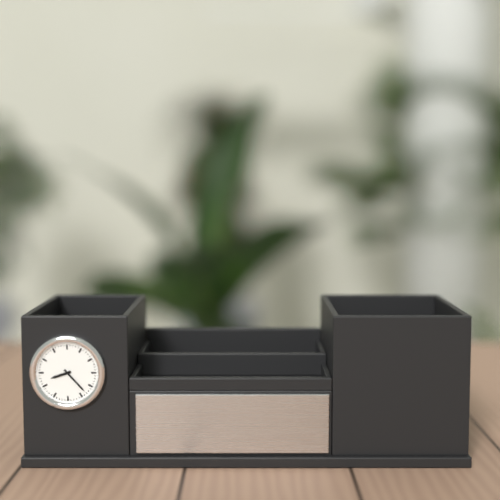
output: h=8 m=23
